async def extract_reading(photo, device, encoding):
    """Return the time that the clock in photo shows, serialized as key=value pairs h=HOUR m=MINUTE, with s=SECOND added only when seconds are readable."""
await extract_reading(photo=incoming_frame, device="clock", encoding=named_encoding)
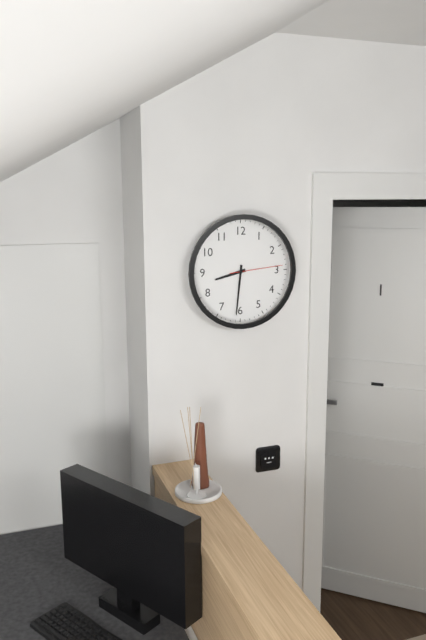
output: h=8 m=31 s=14
